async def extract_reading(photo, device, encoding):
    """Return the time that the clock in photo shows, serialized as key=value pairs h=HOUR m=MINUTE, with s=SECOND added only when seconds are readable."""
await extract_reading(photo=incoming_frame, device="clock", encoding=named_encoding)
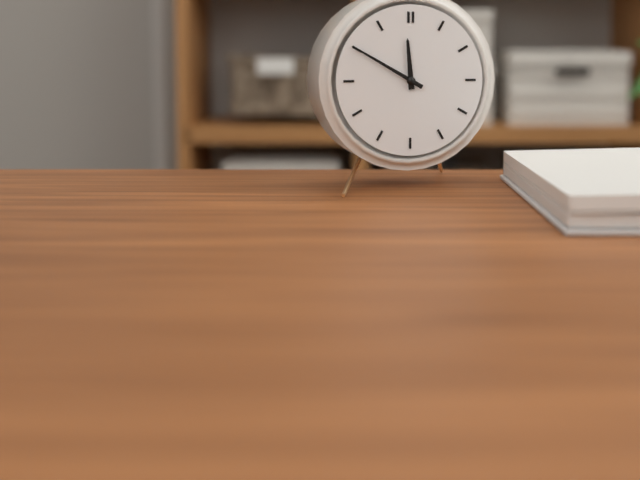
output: h=11 m=50
